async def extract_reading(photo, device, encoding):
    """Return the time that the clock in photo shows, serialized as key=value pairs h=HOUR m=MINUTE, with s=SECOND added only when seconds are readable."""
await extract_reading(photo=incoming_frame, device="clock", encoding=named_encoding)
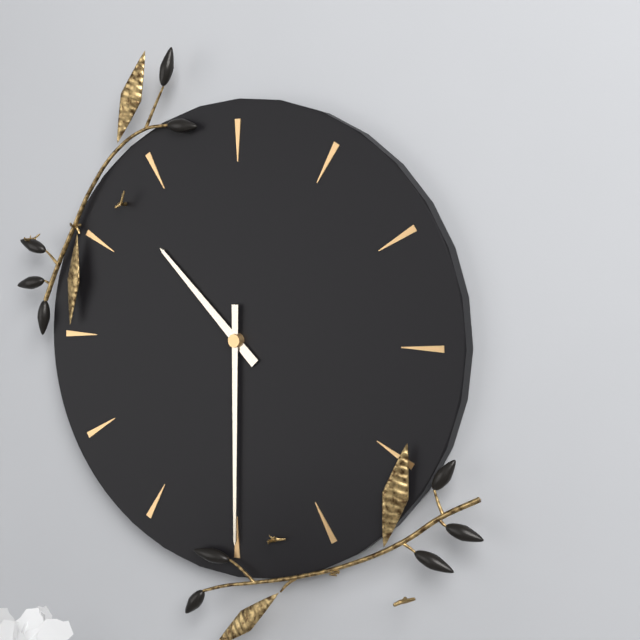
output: h=10 m=30
